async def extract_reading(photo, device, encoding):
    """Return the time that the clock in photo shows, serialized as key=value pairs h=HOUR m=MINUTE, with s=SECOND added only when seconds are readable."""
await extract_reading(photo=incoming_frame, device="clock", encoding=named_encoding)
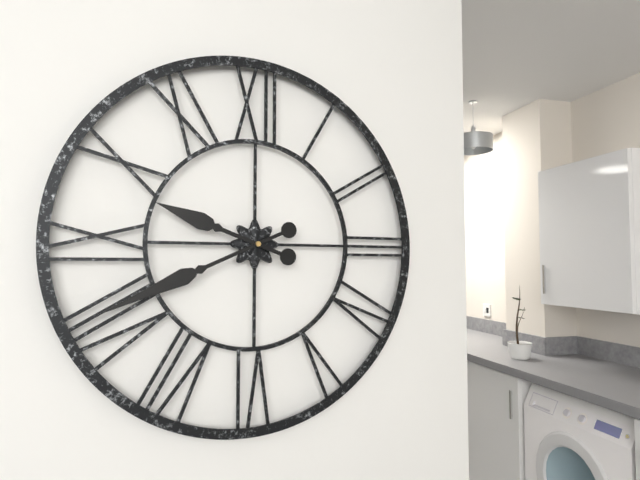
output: h=9 m=41
